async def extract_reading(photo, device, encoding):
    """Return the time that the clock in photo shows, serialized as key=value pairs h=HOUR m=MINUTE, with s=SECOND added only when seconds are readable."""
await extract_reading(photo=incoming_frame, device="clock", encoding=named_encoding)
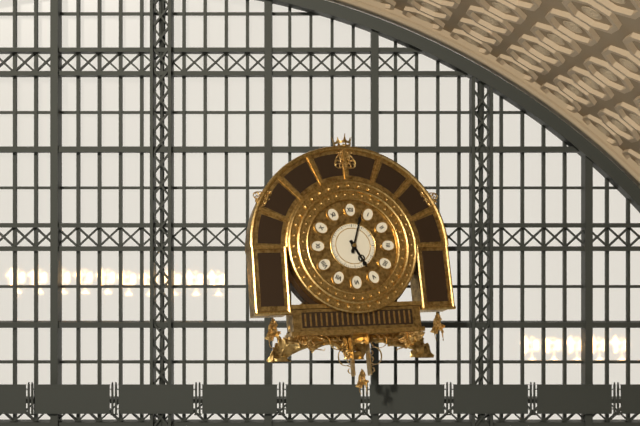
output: h=5 m=3
